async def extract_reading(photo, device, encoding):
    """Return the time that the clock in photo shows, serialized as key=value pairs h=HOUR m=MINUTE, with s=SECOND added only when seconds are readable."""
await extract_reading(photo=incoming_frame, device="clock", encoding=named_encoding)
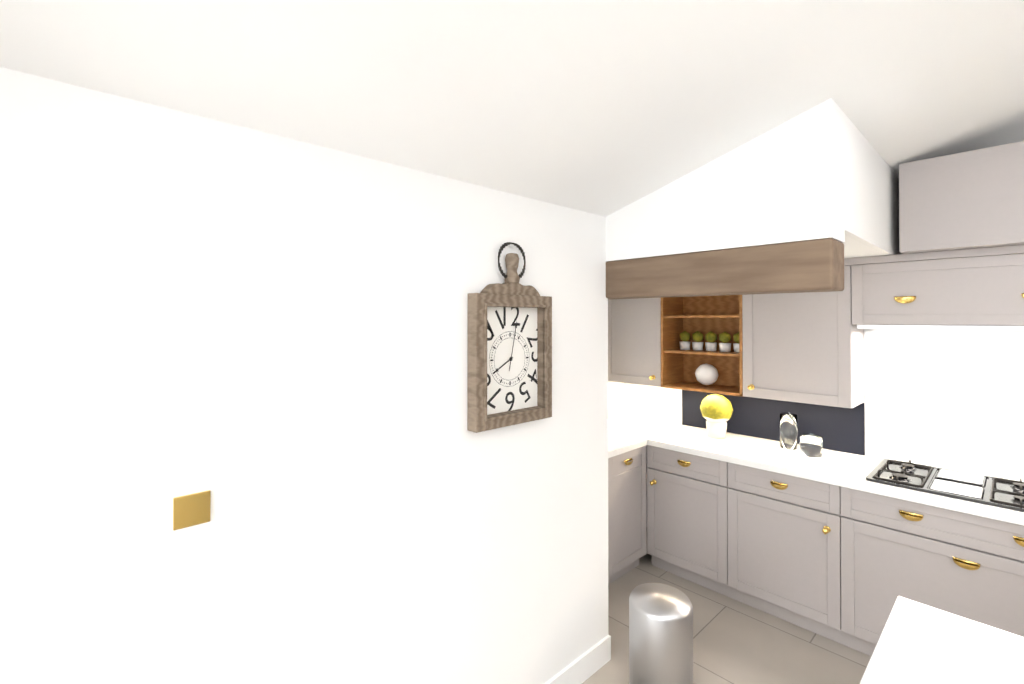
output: h=8 m=2
